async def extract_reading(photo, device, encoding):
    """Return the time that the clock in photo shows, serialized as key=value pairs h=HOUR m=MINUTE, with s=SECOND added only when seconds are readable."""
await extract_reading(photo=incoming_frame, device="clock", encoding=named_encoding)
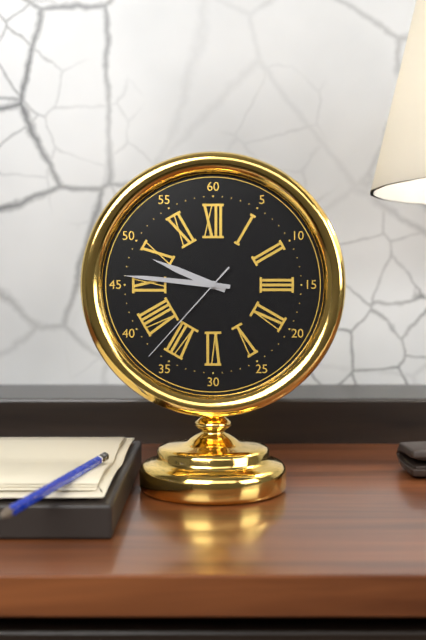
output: h=9 m=46 s=37
